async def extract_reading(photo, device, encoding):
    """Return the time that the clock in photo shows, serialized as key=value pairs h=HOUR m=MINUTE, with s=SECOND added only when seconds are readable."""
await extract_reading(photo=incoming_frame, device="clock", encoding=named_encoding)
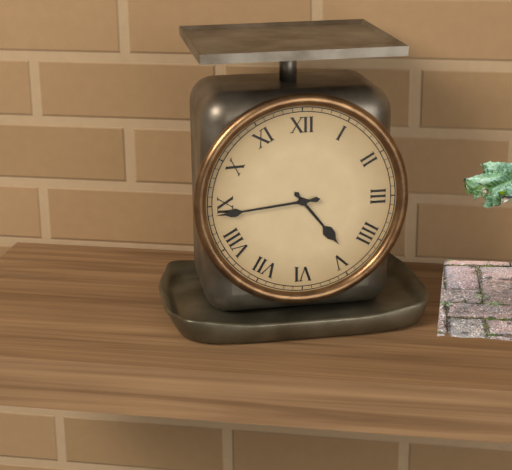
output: h=4 m=44
